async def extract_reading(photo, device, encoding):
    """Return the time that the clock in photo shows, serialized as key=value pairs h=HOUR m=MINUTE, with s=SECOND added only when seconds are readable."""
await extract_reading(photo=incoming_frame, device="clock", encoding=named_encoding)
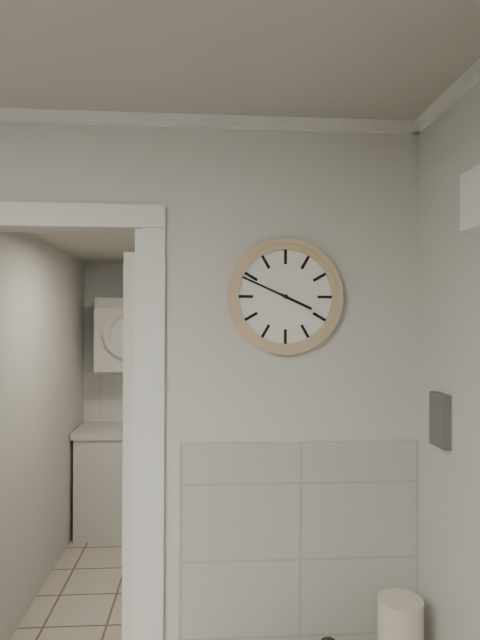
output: h=3 m=49
